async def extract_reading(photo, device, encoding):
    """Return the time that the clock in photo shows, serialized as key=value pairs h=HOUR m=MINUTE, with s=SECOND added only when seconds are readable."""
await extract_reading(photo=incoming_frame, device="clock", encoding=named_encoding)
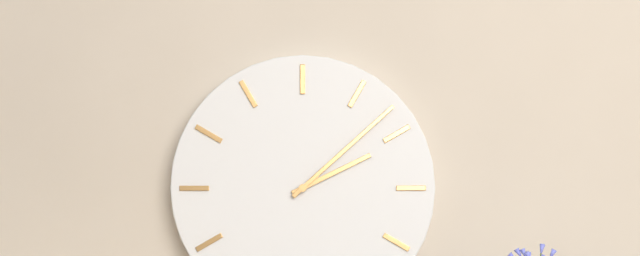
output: h=2 m=8
